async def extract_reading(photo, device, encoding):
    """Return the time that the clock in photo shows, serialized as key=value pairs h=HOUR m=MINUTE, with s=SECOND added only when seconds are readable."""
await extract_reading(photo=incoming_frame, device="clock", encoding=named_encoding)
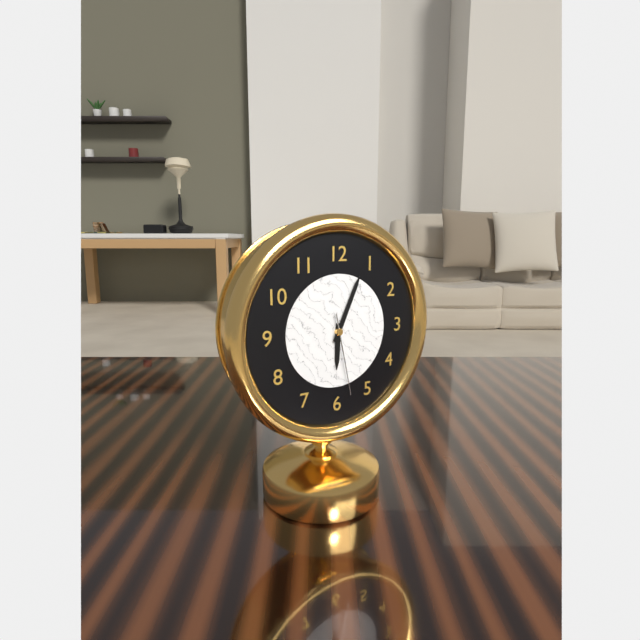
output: h=6 m=4 s=28
